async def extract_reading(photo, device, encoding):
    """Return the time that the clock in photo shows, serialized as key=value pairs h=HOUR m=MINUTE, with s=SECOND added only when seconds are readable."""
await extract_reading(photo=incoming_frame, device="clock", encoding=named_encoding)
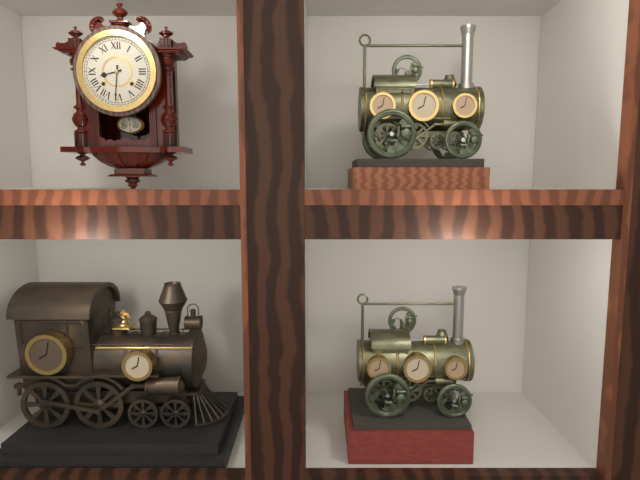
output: h=8 m=31
